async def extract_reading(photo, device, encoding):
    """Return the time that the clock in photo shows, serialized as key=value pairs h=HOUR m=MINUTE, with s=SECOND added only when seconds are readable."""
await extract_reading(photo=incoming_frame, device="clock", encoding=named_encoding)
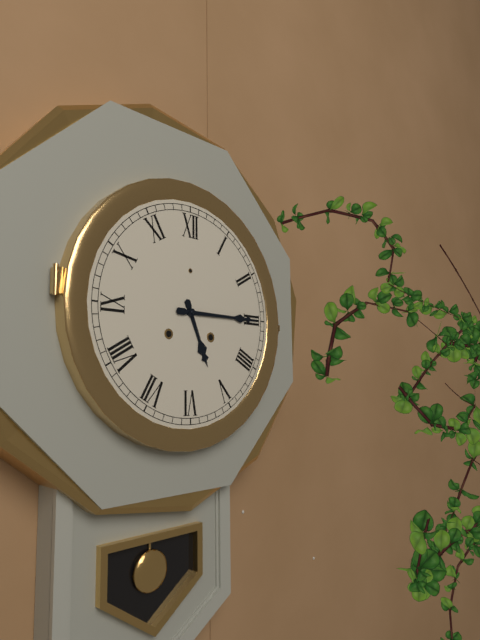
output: h=5 m=15
